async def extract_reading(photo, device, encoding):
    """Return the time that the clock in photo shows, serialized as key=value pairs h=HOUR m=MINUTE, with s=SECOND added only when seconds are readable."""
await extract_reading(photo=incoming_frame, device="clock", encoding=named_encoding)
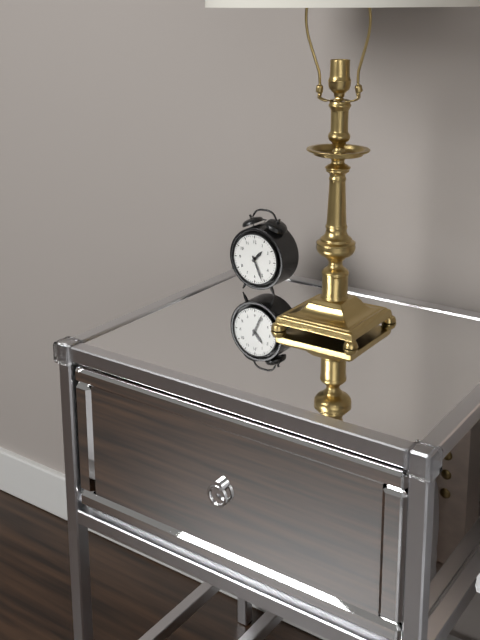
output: h=1 m=26
